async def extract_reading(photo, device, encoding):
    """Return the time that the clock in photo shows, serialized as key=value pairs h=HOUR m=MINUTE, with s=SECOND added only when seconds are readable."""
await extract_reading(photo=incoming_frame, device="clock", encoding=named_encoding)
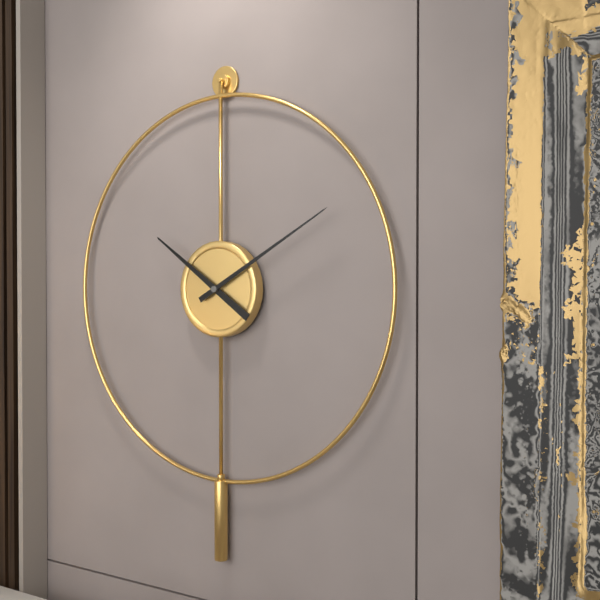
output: h=10 m=10
